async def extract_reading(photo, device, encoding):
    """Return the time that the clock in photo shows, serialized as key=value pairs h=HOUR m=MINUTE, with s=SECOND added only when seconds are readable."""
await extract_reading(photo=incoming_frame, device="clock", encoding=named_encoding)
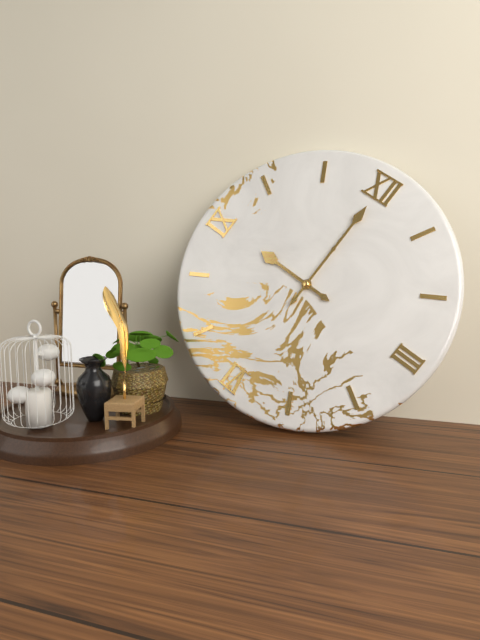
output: h=9 m=0
